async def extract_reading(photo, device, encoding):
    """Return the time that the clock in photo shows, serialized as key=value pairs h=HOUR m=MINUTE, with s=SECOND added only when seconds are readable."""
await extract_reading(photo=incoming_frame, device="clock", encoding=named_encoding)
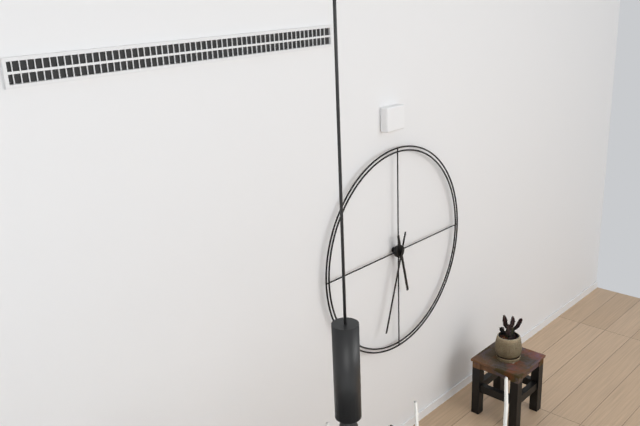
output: h=5 m=33
